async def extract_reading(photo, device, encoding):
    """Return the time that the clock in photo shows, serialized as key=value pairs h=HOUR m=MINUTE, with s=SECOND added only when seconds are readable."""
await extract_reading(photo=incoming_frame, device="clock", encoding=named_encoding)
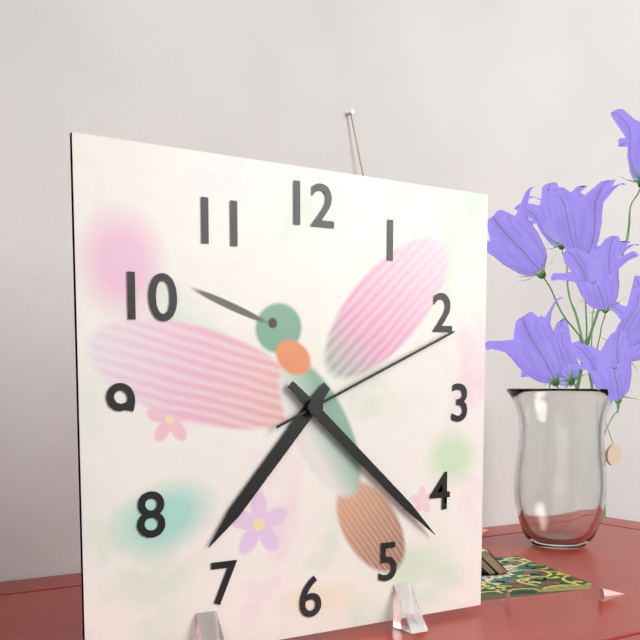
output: h=7 m=22 s=11
